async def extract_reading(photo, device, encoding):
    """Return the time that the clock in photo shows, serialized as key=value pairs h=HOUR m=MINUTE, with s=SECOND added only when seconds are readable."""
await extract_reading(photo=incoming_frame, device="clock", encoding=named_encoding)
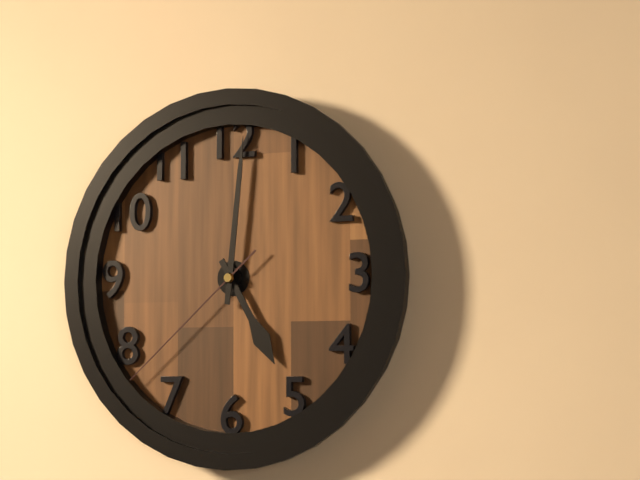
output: h=5 m=1 s=38
